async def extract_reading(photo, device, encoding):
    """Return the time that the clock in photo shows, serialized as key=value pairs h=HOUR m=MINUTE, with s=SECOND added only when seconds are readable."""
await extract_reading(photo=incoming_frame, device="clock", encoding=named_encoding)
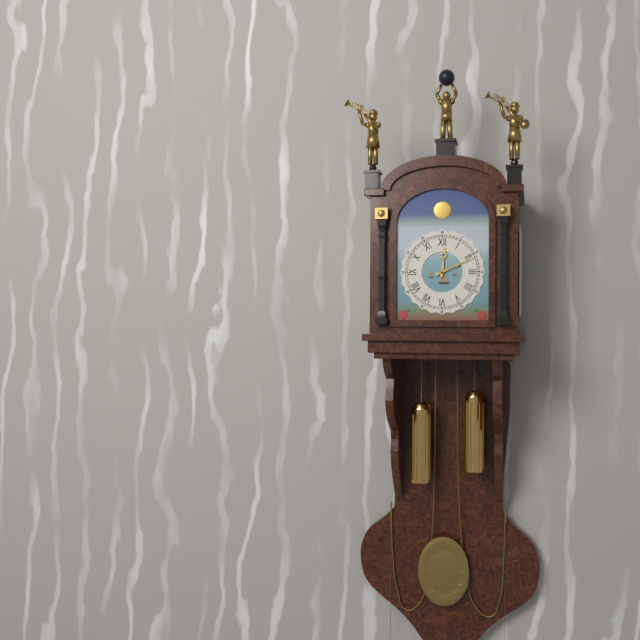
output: h=12 m=11
